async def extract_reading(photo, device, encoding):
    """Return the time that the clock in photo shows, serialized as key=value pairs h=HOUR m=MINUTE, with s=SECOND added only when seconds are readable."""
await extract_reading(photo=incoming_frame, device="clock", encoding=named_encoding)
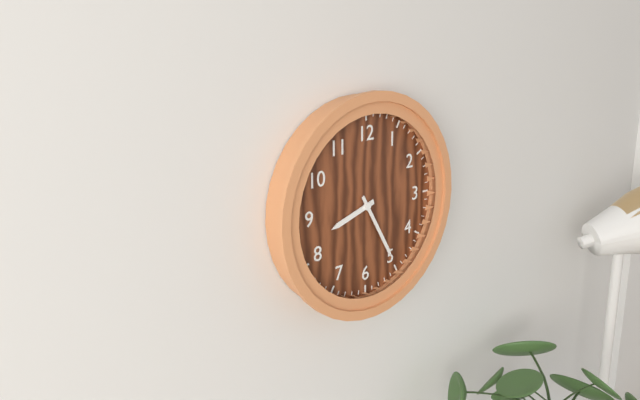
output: h=8 m=25
